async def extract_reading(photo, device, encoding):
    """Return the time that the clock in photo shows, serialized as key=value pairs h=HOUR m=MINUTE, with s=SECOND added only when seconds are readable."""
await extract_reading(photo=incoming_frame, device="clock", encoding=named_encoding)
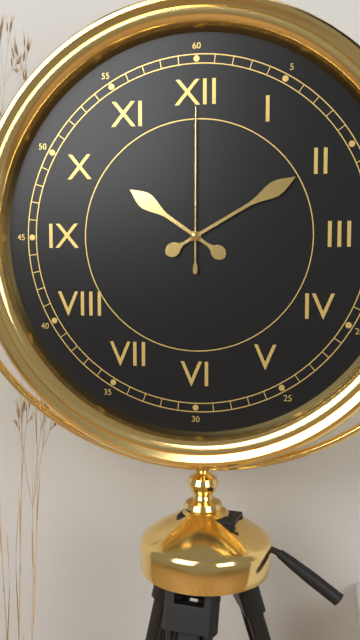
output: h=10 m=10 s=0
